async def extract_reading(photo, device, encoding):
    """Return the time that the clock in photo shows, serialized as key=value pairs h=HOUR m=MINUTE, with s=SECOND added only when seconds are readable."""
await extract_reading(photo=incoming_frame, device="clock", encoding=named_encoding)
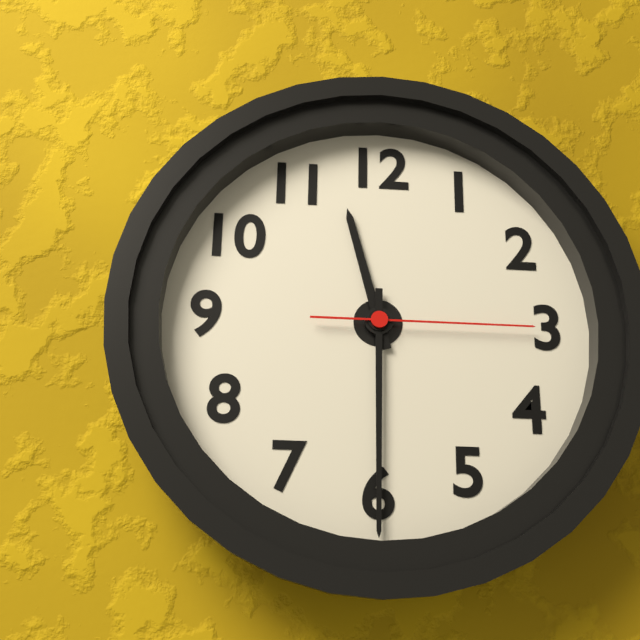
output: h=11 m=30 s=15
